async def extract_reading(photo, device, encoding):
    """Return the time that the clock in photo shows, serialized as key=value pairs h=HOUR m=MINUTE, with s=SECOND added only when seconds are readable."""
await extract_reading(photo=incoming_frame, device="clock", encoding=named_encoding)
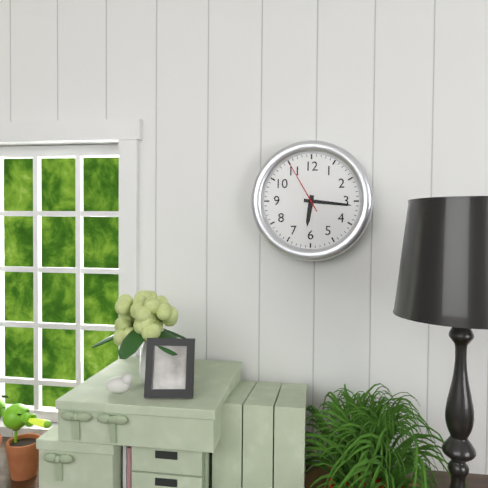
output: h=6 m=16 s=55
